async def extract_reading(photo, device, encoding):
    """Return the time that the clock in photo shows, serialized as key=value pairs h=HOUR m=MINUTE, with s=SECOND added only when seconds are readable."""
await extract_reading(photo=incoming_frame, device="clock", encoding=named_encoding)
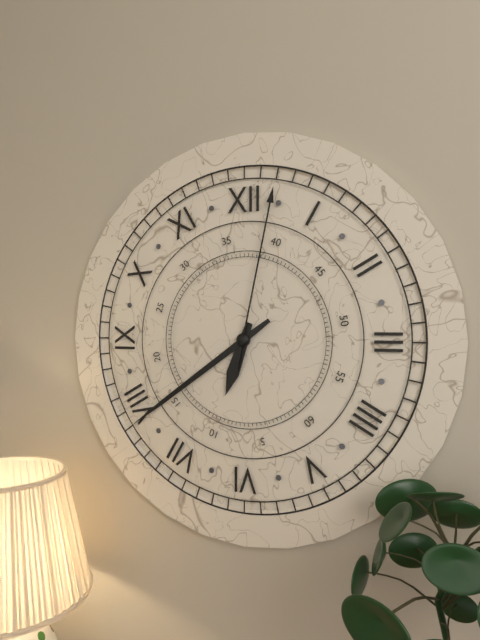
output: h=6 m=39 s=2
